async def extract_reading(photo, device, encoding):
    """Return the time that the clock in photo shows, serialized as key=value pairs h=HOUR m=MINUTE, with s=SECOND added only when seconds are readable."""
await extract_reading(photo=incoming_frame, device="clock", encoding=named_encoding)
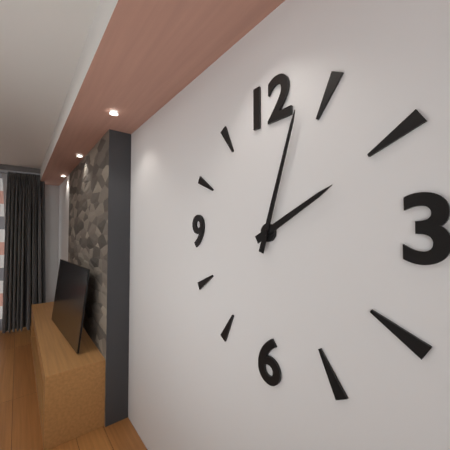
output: h=2 m=3
